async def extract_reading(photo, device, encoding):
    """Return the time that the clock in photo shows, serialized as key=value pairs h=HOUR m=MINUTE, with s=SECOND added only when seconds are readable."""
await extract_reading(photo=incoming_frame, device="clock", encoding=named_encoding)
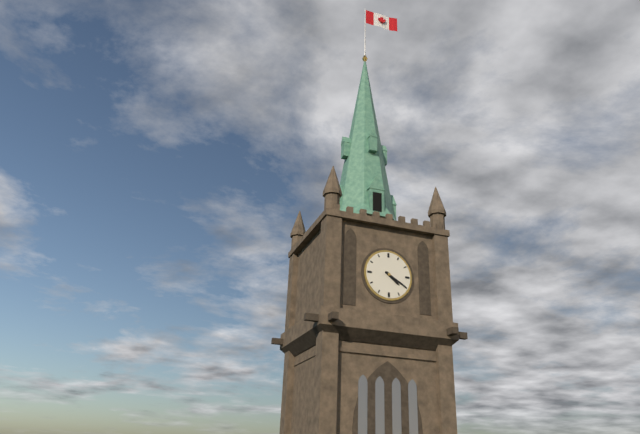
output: h=4 m=20
